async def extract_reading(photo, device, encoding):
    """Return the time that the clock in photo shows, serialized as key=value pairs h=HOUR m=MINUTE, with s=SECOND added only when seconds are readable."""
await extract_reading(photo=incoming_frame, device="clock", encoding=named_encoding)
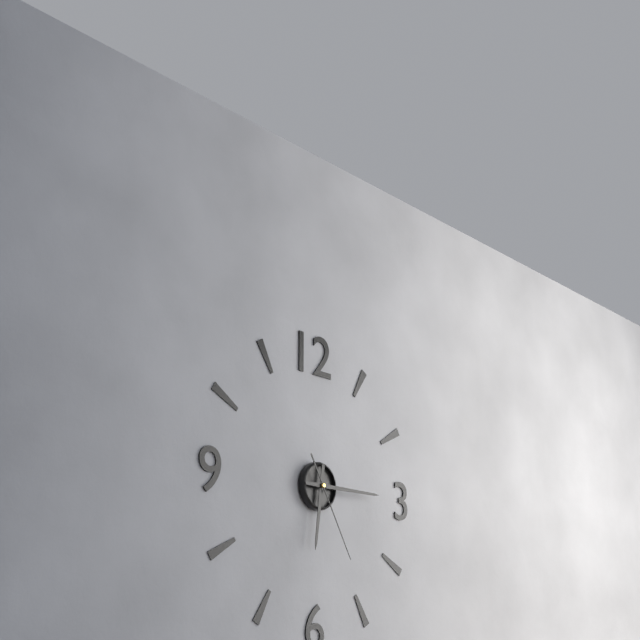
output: h=6 m=15 s=25
